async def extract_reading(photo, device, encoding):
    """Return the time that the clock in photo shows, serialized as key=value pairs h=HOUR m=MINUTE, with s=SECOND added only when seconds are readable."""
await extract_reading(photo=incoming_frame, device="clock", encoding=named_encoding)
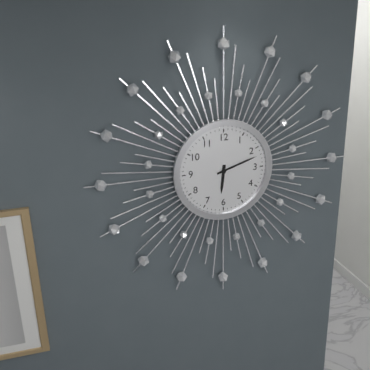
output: h=6 m=12
